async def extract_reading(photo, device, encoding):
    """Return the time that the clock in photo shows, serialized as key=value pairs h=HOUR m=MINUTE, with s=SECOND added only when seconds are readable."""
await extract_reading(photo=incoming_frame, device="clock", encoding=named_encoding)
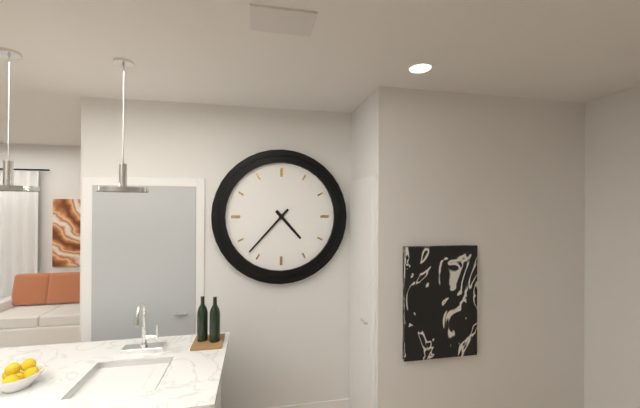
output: h=4 m=37
